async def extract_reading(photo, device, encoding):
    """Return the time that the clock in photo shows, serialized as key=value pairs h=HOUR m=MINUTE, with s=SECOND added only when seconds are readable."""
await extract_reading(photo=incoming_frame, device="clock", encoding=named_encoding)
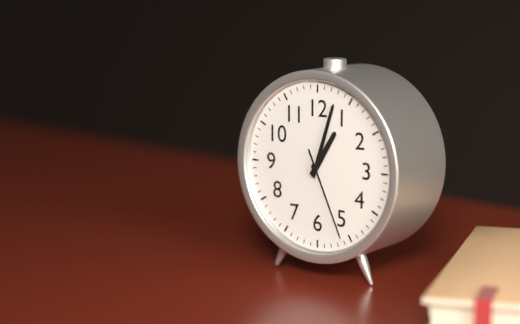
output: h=1 m=3 s=26
